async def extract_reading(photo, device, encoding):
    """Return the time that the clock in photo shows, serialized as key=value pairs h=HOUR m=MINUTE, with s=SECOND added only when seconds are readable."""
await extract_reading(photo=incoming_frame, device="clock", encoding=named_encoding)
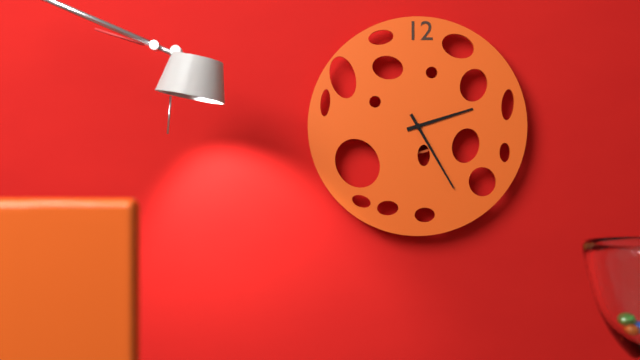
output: h=2 m=25
